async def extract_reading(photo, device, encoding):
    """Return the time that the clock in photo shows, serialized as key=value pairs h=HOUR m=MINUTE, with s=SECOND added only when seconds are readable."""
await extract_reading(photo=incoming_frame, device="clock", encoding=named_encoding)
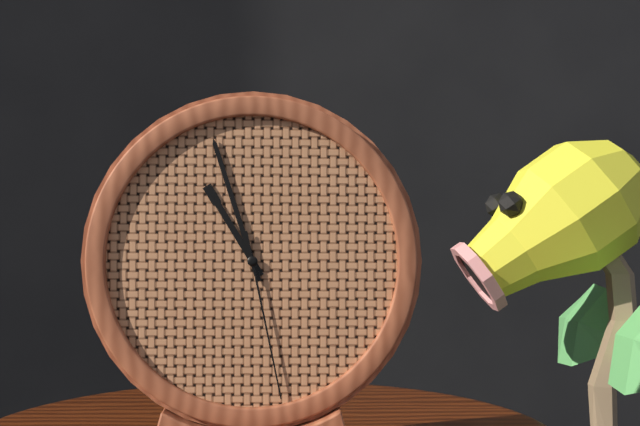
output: h=10 m=57 s=28
